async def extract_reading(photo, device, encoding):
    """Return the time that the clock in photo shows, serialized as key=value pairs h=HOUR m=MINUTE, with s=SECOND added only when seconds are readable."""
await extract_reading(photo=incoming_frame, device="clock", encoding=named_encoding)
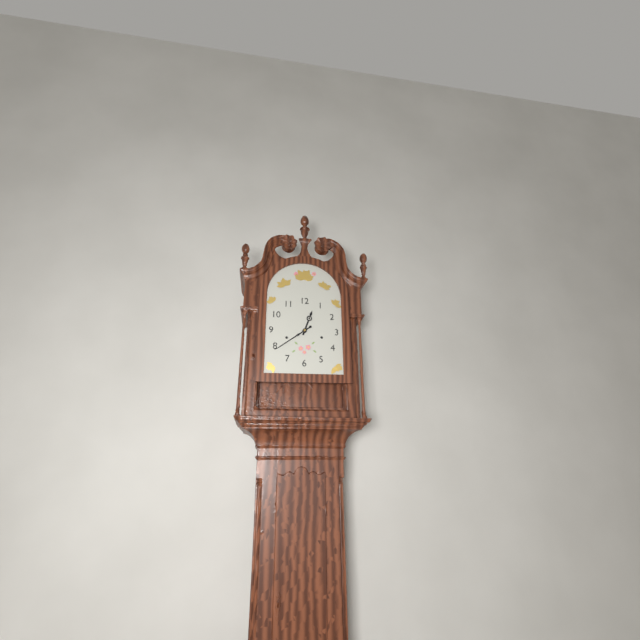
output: h=12 m=39
